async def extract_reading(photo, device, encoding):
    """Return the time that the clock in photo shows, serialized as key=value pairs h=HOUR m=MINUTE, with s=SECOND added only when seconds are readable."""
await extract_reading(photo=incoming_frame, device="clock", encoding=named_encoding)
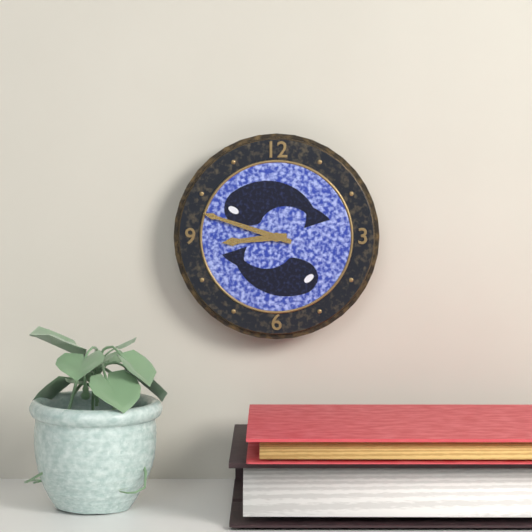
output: h=8 m=48
